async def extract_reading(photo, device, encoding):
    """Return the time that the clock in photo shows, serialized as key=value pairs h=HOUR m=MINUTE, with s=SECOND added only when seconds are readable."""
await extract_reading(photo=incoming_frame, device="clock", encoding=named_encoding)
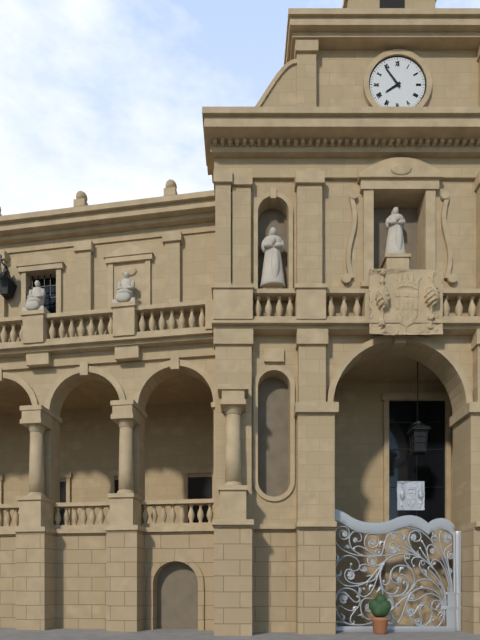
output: h=7 m=54
